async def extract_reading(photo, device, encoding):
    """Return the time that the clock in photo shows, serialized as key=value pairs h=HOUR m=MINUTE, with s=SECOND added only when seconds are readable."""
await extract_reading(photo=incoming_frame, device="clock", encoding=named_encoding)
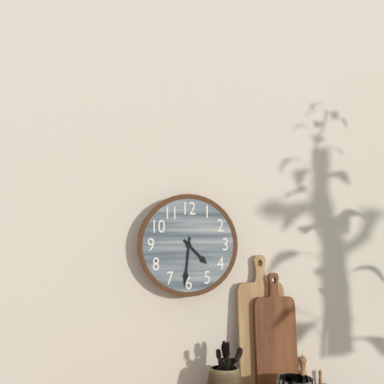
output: h=4 m=31
